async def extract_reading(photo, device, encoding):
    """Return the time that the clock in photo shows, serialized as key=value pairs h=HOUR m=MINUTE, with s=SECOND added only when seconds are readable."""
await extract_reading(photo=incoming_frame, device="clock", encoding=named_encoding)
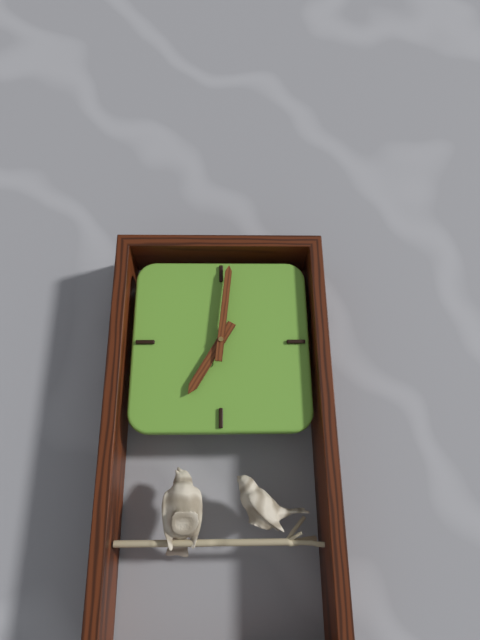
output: h=7 m=1
